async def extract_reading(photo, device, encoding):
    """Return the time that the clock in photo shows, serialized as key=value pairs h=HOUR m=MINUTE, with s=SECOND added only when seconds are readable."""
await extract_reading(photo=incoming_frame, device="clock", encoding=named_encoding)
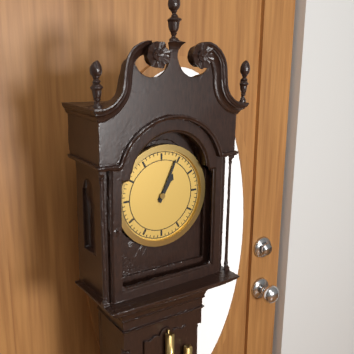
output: h=1 m=4
